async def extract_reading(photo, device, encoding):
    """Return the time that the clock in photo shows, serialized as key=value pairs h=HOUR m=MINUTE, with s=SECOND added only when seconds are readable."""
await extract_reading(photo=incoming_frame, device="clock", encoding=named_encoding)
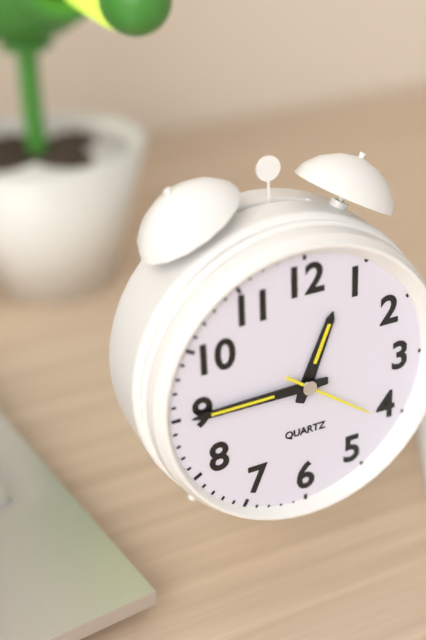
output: h=12 m=45 s=21
